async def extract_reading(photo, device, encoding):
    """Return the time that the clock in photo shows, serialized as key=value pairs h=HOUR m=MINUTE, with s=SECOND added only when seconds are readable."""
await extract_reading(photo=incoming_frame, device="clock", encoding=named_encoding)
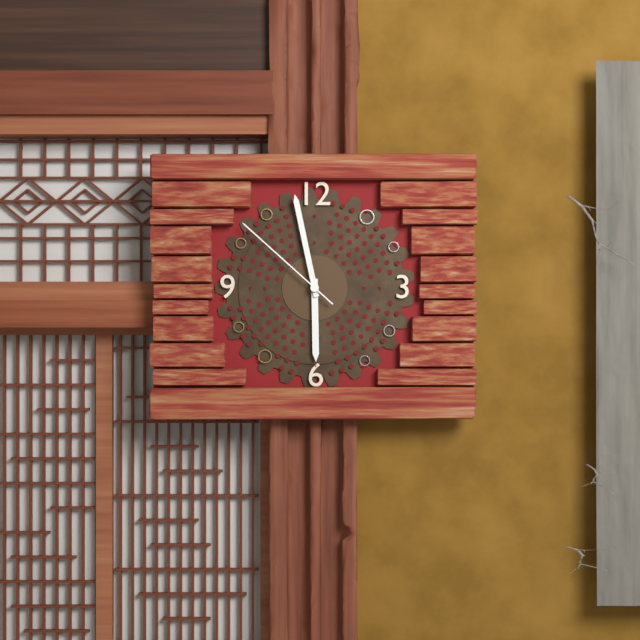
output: h=5 m=58 s=52
